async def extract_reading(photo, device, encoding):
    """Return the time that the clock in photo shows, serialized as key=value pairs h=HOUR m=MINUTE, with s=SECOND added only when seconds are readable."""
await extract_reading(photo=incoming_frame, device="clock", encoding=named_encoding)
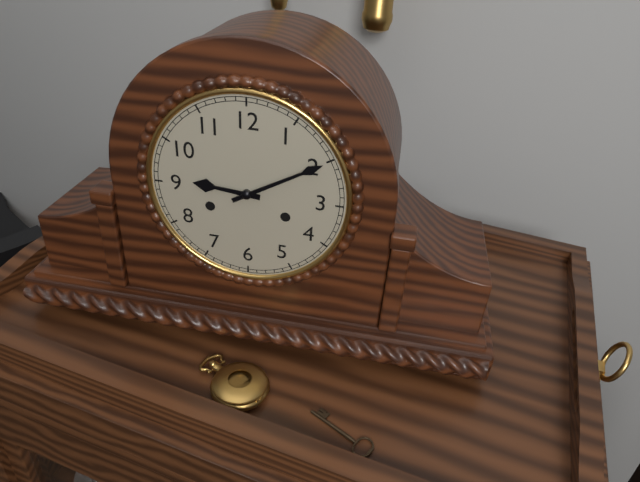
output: h=9 m=10
